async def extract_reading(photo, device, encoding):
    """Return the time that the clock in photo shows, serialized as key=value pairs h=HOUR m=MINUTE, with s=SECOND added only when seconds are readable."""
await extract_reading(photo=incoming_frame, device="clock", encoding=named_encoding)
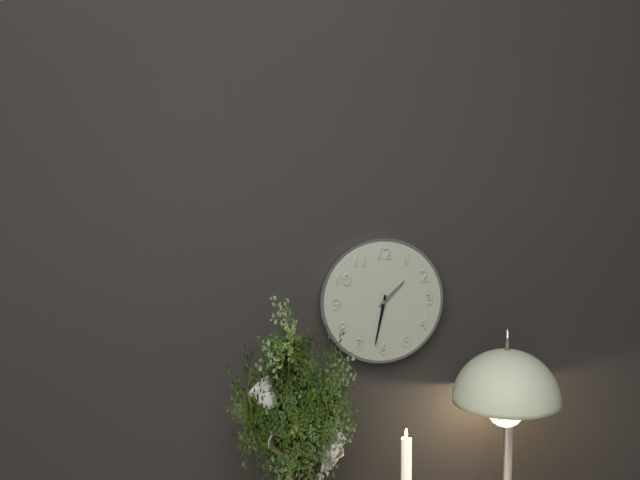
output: h=1 m=32
